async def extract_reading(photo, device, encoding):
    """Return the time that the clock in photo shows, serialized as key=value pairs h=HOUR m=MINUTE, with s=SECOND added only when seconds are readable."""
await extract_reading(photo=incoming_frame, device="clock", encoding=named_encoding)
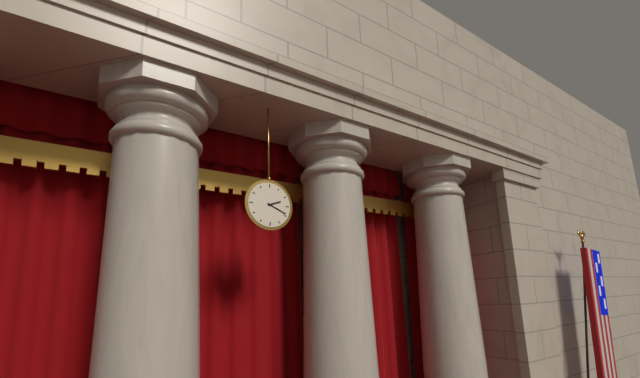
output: h=2 m=19
